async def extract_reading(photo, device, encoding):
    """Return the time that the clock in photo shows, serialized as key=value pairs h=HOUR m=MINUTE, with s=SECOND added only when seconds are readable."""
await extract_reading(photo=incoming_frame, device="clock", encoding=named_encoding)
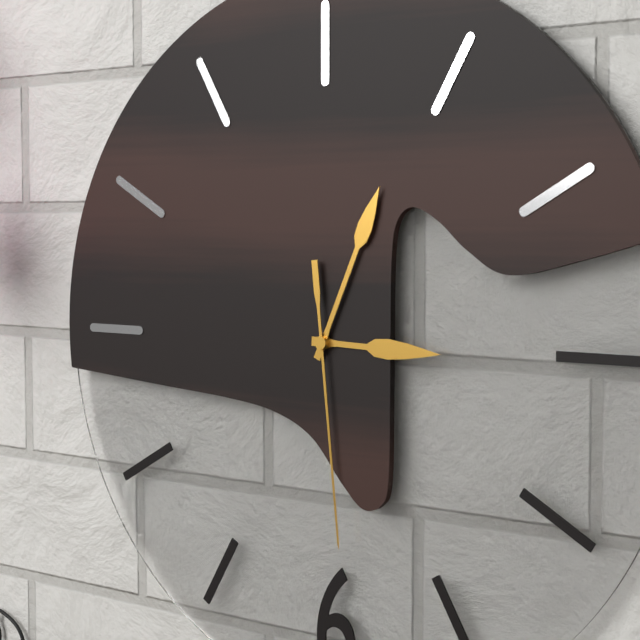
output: h=3 m=4 s=29
